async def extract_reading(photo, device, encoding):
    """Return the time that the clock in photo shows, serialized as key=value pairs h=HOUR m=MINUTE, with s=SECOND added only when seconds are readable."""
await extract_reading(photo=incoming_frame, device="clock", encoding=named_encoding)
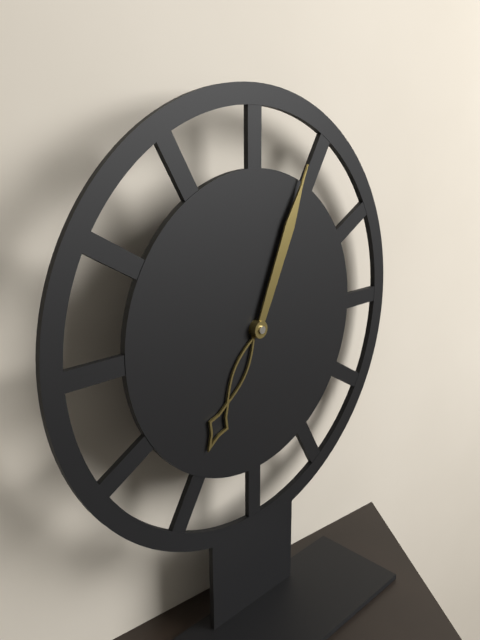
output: h=7 m=4
